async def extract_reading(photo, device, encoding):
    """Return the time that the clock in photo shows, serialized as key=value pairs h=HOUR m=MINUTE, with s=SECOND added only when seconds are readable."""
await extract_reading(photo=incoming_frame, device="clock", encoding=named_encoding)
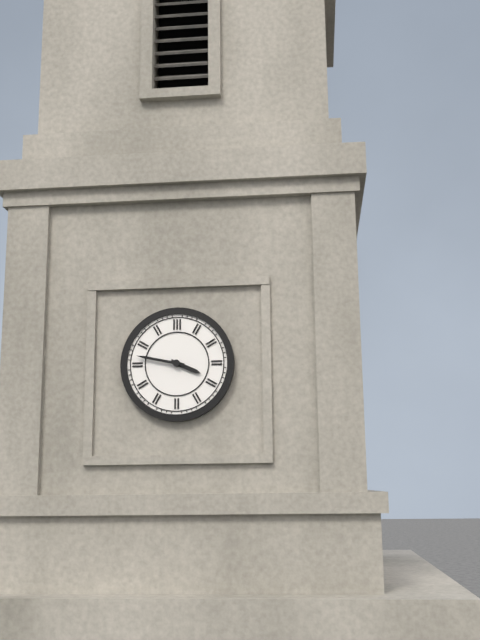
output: h=3 m=47
